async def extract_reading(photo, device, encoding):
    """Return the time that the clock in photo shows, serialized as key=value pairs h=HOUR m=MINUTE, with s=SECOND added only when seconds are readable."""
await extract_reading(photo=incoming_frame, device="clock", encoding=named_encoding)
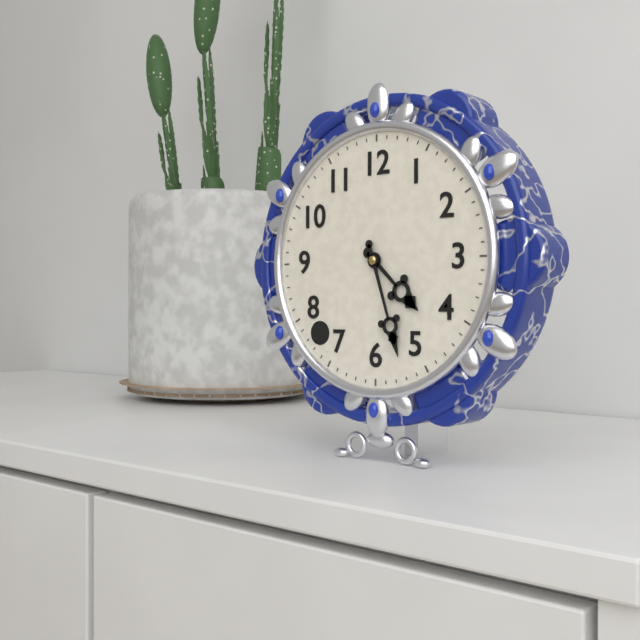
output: h=4 m=27
